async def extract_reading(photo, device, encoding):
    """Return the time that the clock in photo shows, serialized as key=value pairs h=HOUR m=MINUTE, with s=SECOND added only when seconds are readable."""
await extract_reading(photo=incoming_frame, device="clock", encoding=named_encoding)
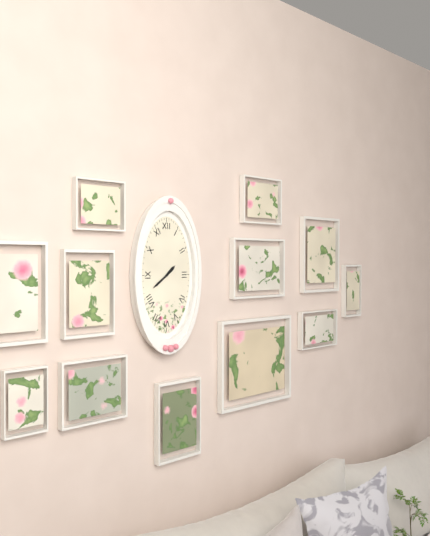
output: h=1 m=39
